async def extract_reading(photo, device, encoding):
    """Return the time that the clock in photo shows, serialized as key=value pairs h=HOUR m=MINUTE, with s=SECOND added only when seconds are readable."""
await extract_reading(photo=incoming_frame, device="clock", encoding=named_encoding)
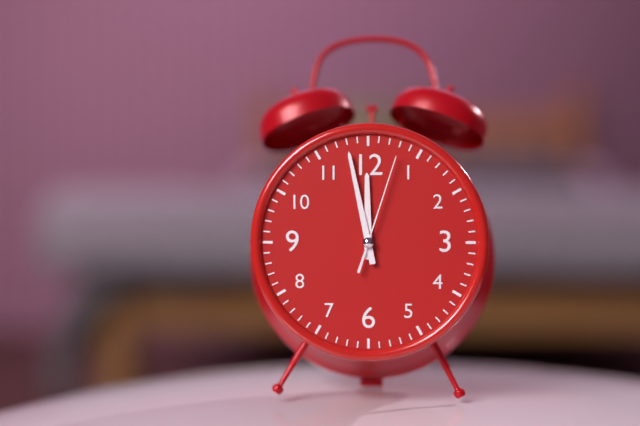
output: h=11 m=58 s=3
